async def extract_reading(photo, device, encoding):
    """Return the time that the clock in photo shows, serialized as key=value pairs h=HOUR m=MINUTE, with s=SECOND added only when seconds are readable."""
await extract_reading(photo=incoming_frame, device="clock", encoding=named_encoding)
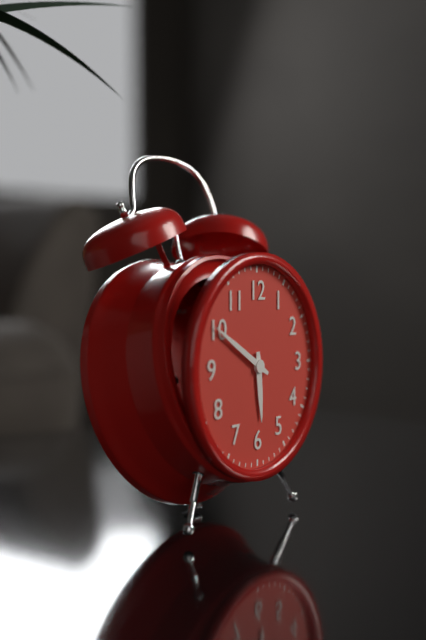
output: h=5 m=50
